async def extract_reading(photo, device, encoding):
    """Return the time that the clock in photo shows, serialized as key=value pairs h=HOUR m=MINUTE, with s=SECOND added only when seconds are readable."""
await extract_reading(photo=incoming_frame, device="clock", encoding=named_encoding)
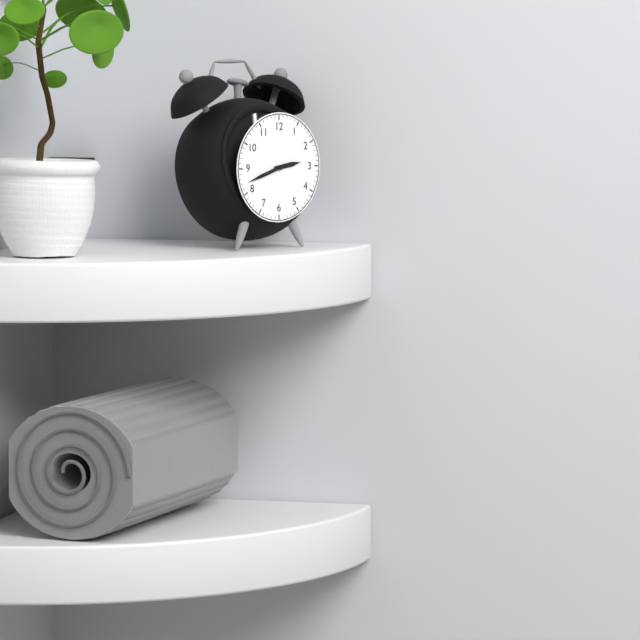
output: h=2 m=42
